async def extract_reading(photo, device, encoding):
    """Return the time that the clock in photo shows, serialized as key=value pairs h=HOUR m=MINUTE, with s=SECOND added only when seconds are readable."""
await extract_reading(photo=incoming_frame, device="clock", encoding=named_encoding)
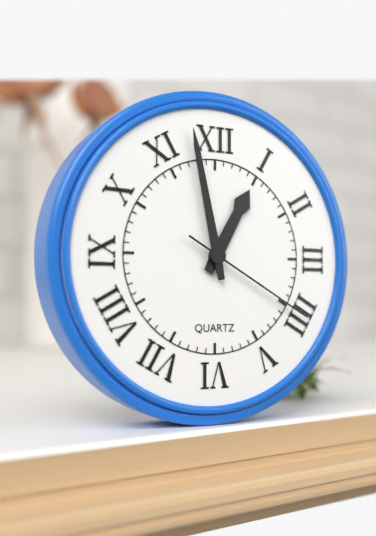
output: h=12 m=58 s=20
